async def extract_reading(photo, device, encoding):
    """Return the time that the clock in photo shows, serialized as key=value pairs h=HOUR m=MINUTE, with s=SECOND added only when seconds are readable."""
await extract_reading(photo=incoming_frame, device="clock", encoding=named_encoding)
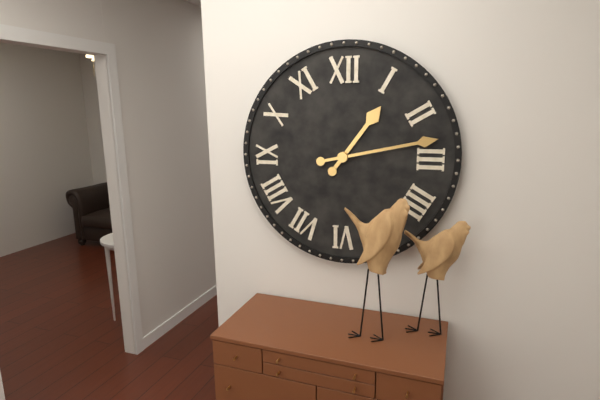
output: h=1 m=13
